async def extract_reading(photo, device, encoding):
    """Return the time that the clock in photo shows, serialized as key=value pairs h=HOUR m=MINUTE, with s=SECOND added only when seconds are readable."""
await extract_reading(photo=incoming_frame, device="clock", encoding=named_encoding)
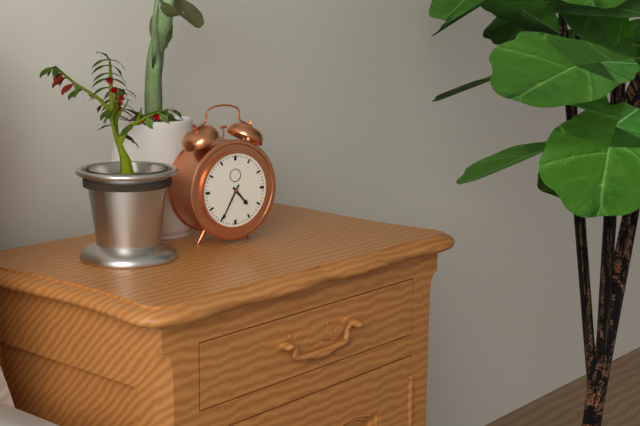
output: h=4 m=35
